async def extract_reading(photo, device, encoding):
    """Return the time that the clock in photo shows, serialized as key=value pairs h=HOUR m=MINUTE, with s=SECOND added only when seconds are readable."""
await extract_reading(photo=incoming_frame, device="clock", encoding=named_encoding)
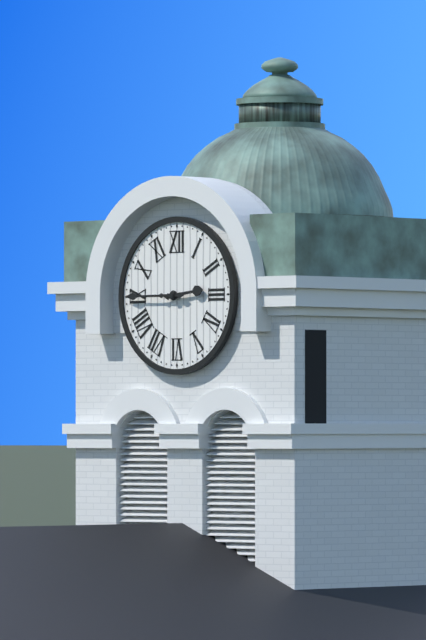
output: h=2 m=45
